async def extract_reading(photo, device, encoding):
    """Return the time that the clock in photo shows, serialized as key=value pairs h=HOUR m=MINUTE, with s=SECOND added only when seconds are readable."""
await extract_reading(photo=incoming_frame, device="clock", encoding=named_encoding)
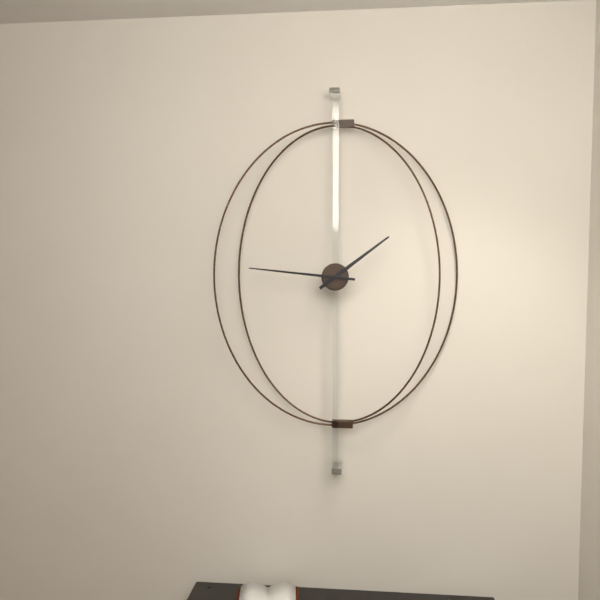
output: h=1 m=46
